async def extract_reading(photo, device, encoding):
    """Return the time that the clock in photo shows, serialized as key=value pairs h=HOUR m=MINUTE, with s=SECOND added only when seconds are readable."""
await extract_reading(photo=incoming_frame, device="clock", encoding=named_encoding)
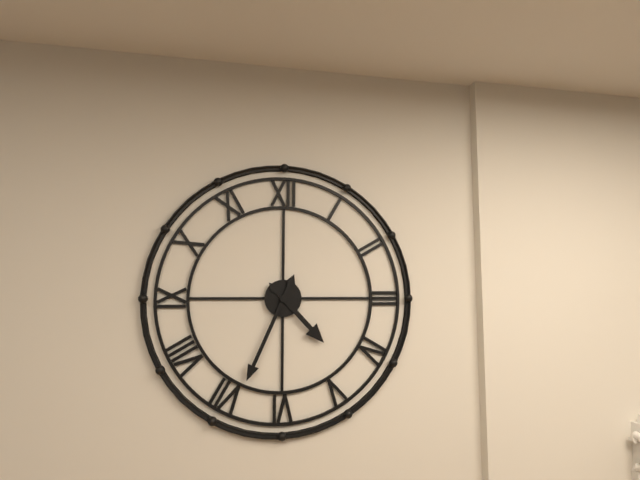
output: h=4 m=34
